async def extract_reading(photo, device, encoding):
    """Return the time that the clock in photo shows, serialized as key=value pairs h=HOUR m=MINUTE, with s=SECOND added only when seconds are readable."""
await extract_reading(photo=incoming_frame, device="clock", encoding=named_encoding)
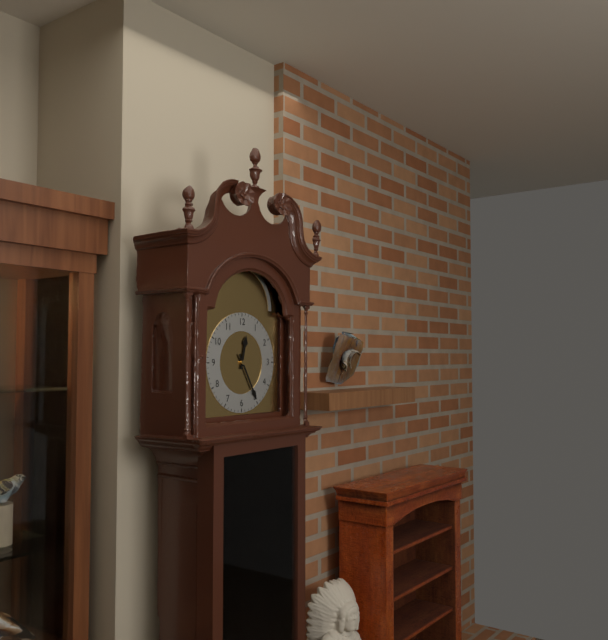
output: h=12 m=25
